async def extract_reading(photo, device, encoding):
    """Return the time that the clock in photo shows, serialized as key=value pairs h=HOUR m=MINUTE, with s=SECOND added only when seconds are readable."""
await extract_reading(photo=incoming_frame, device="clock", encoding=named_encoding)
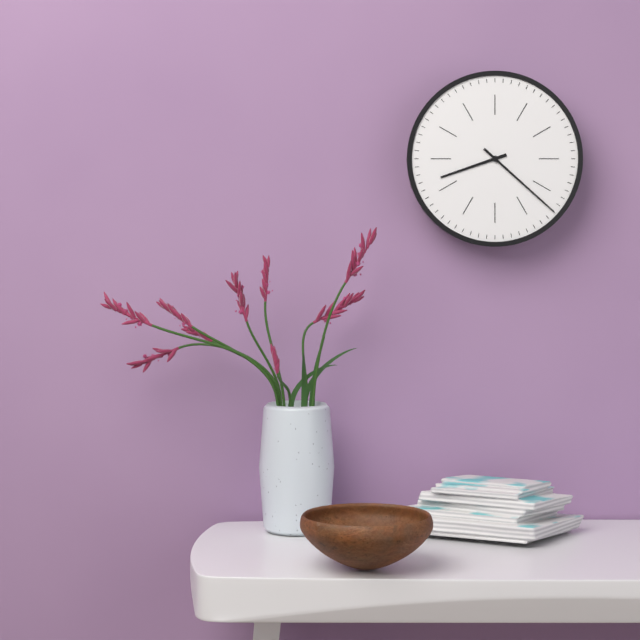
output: h=8 m=22
